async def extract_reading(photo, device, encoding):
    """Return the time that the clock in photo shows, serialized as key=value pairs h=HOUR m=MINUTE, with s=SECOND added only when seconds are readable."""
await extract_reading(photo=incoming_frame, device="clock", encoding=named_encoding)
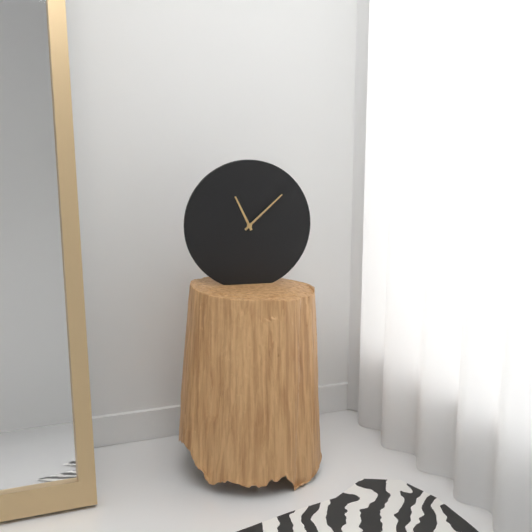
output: h=11 m=8
